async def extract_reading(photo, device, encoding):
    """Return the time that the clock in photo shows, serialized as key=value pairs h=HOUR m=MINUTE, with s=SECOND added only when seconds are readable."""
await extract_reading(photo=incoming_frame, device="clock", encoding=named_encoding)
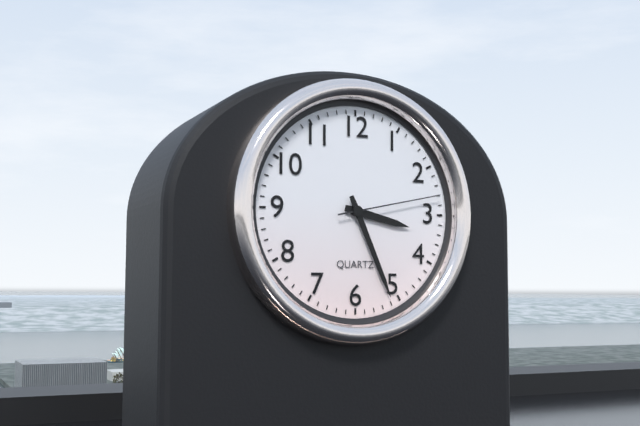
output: h=3 m=26 s=13
